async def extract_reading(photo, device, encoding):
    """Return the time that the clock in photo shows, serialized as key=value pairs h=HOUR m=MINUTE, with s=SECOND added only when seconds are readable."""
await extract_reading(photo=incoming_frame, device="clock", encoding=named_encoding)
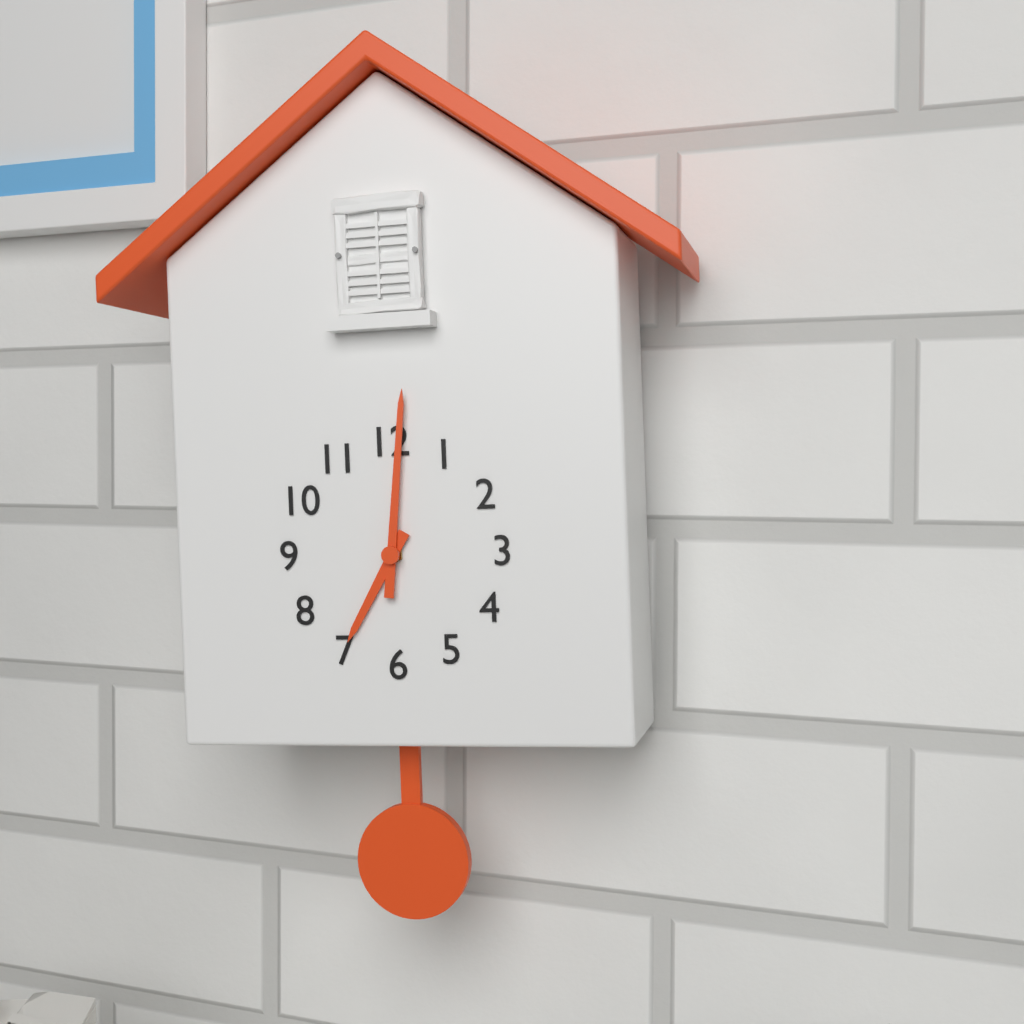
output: h=7 m=1
